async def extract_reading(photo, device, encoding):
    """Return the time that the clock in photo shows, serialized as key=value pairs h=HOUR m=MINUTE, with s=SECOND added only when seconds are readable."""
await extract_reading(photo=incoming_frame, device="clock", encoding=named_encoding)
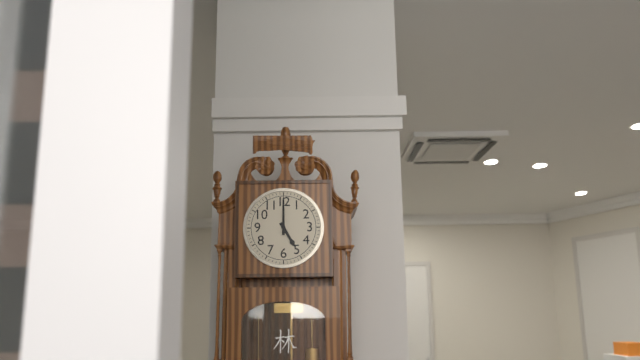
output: h=5 m=0
